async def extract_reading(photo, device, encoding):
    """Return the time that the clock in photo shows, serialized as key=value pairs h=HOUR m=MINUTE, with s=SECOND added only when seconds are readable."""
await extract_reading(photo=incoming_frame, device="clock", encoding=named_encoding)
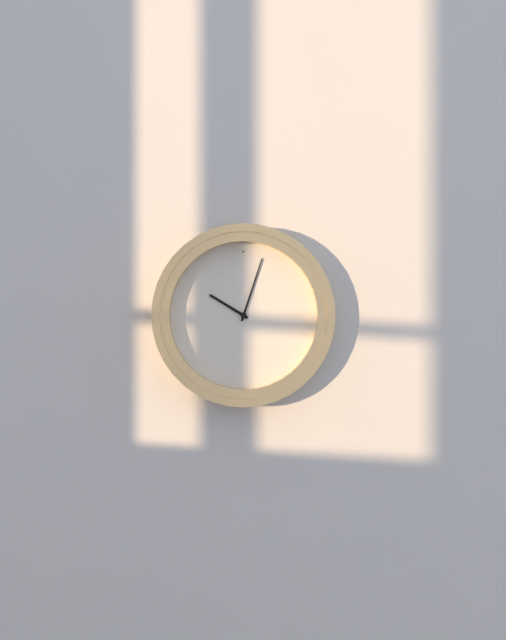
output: h=10 m=3
